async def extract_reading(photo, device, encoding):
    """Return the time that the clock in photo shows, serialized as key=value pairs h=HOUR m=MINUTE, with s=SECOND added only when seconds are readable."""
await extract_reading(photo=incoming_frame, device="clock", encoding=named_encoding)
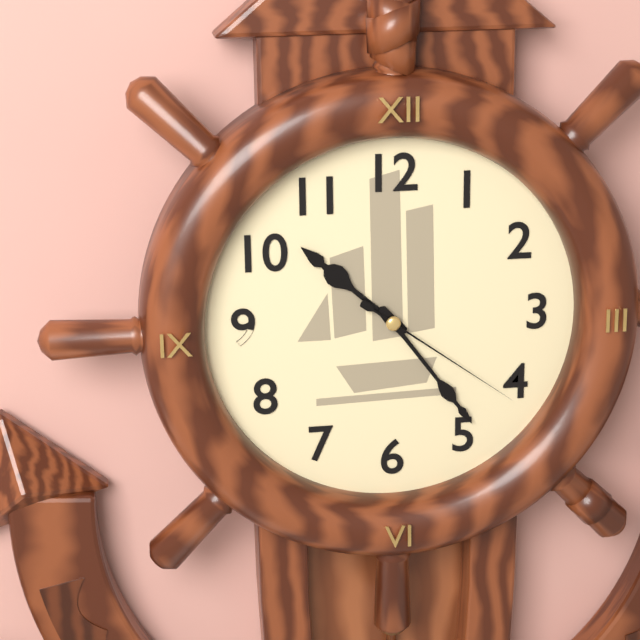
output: h=10 m=24 s=21
